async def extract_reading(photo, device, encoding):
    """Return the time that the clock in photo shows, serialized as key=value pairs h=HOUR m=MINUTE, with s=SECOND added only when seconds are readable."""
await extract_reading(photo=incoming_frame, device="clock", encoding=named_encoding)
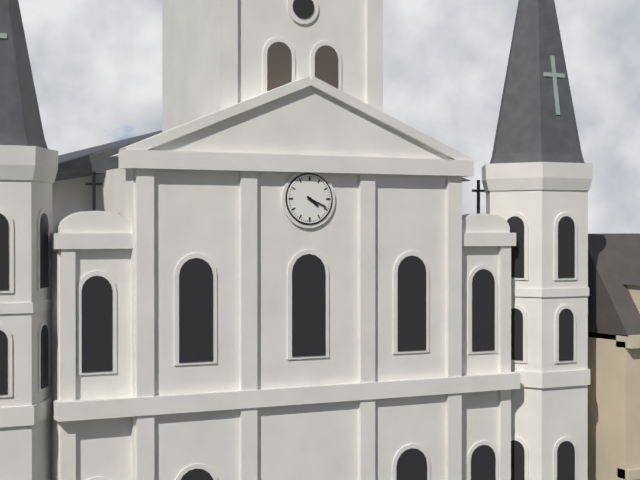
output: h=4 m=19
